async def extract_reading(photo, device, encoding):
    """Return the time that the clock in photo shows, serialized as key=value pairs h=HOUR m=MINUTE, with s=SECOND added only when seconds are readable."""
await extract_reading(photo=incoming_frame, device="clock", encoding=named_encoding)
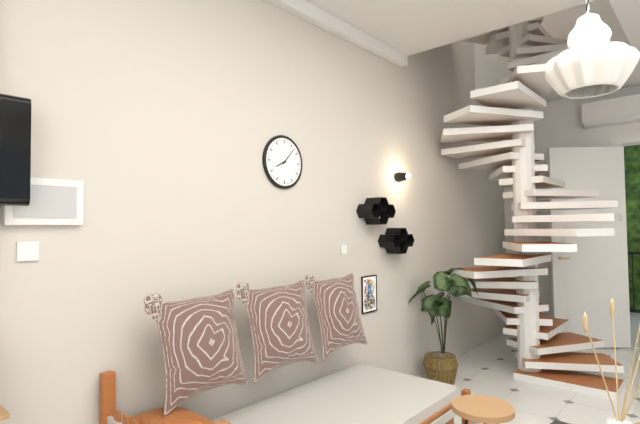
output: h=8 m=7
